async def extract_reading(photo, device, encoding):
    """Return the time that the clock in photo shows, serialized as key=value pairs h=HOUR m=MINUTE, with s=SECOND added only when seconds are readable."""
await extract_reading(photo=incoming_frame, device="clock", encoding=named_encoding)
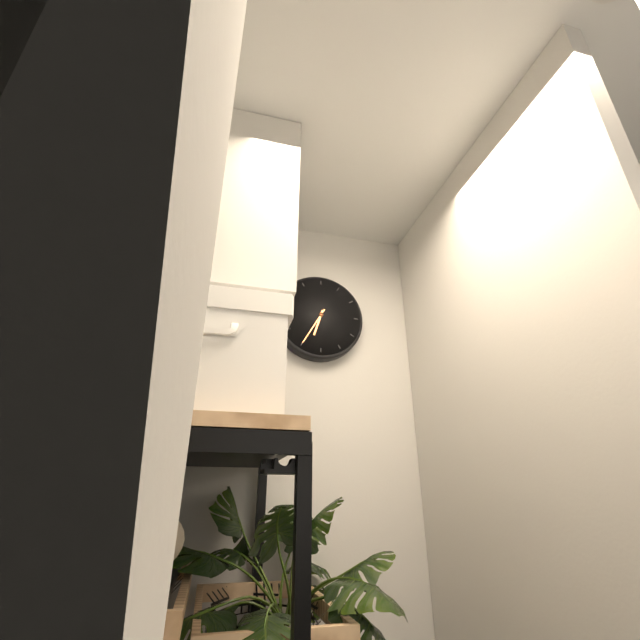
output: h=6 m=35
